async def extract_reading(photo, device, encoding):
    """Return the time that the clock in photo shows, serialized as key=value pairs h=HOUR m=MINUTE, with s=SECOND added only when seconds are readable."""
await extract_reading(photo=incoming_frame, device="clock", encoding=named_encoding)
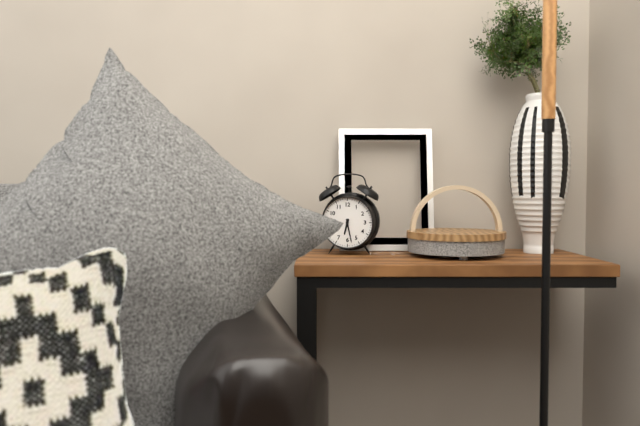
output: h=6 m=28
